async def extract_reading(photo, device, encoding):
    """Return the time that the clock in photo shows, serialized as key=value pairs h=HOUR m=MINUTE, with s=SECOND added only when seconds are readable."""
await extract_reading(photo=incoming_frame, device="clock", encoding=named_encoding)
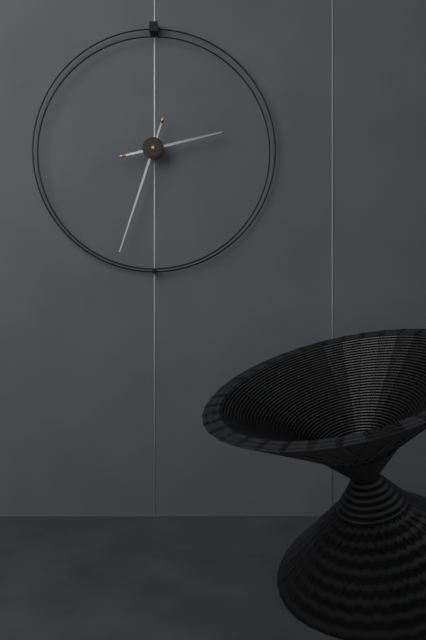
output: h=2 m=33
